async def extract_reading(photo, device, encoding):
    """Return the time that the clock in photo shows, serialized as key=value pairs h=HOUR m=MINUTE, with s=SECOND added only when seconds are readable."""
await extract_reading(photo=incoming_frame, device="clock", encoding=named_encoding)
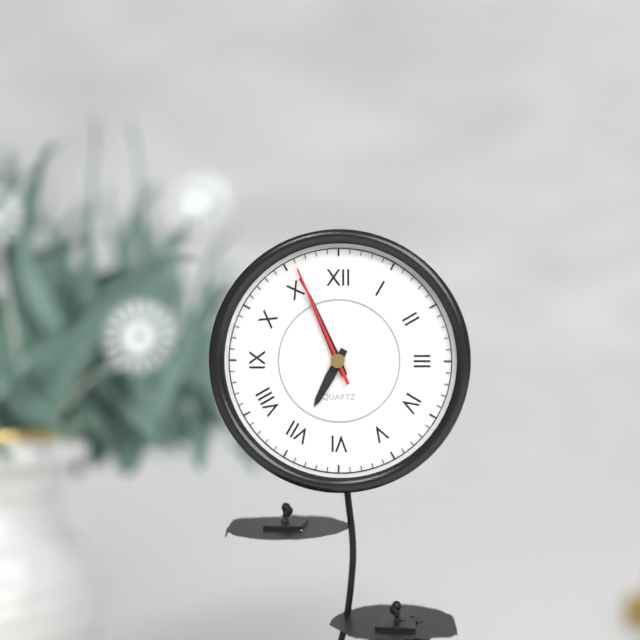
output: h=6 m=56 s=56
